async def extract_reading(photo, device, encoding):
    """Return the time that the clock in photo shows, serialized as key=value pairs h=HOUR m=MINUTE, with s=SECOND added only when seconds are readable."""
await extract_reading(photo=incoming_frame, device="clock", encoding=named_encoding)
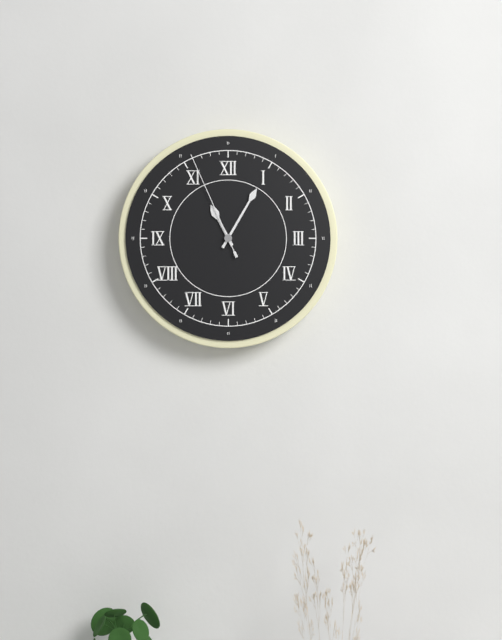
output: h=11 m=5 s=56
